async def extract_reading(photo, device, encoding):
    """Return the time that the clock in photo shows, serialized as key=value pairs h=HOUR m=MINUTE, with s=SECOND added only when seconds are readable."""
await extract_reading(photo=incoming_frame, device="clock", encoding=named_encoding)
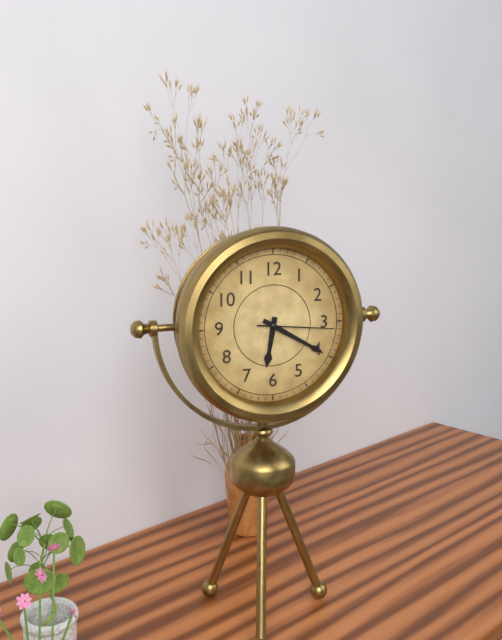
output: h=6 m=20 s=16
